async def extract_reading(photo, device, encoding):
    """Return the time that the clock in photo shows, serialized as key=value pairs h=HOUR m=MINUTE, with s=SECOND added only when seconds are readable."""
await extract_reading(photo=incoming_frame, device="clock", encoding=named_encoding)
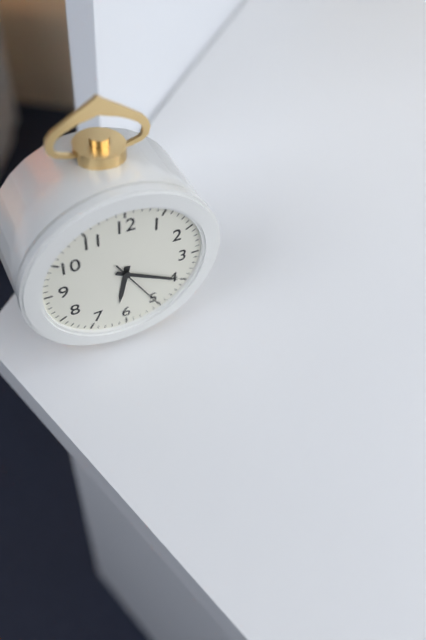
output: h=6 m=20 s=25
